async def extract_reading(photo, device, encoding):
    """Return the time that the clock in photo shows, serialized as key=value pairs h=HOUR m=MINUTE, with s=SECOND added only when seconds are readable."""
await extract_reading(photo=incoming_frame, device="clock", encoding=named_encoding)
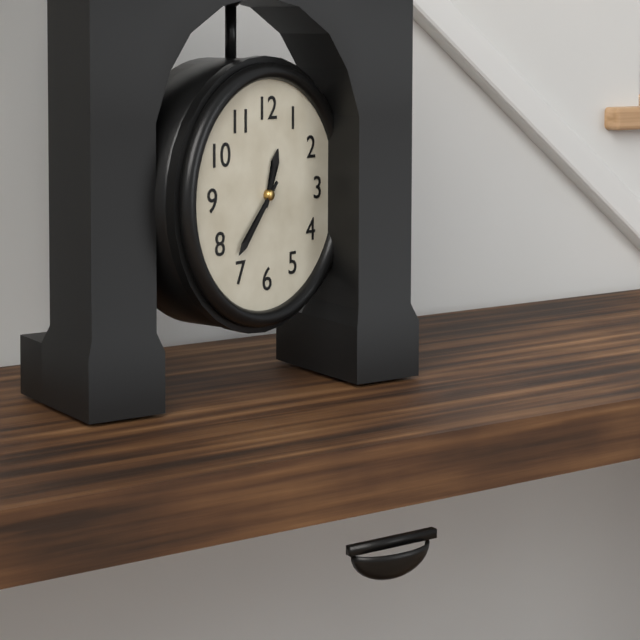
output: h=12 m=37
